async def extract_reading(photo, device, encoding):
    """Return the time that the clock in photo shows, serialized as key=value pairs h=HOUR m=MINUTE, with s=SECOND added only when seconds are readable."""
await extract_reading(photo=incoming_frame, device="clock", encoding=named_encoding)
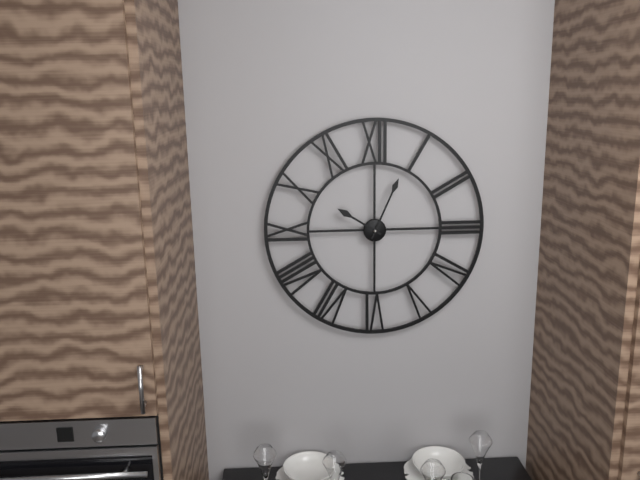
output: h=10 m=4
